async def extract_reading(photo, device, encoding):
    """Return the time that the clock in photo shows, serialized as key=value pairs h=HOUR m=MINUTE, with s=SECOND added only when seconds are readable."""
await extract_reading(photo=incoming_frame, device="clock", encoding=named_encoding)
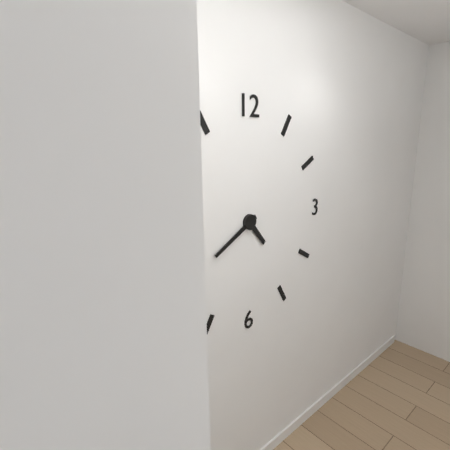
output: h=4 m=40
